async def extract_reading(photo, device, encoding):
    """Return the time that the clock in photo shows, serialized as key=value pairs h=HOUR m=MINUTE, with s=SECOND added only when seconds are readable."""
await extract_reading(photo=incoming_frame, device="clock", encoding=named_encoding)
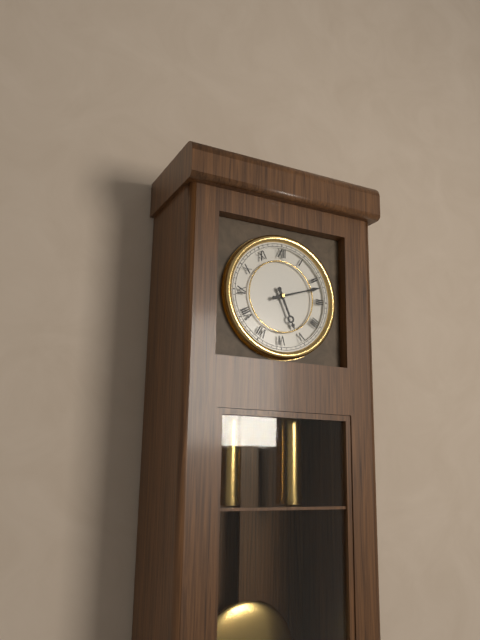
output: h=5 m=12
